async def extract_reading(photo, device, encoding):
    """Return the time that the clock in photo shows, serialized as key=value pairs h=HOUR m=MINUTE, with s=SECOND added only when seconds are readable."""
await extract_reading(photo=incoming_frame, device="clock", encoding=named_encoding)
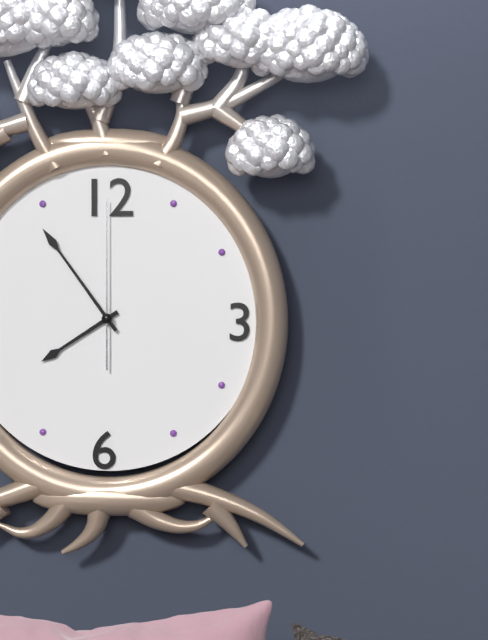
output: h=7 m=54 s=0
